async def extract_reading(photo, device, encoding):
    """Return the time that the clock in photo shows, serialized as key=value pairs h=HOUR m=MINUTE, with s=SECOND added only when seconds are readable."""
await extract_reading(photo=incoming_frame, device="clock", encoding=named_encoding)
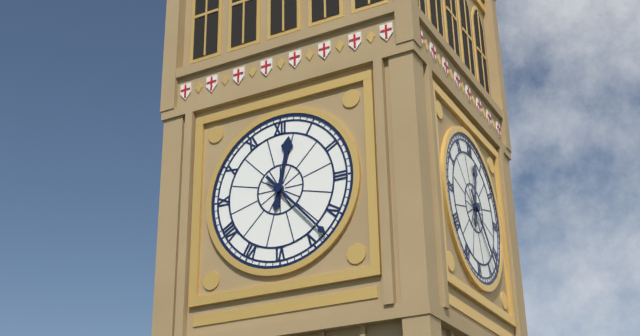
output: h=12 m=23
